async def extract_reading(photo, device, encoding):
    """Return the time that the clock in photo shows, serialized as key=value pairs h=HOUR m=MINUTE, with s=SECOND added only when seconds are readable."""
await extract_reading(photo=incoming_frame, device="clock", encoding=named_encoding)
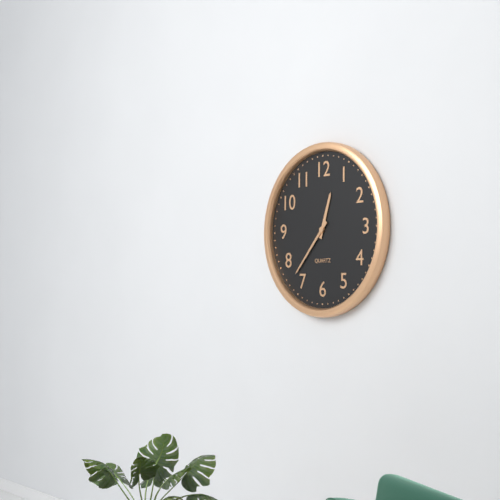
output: h=12 m=37
